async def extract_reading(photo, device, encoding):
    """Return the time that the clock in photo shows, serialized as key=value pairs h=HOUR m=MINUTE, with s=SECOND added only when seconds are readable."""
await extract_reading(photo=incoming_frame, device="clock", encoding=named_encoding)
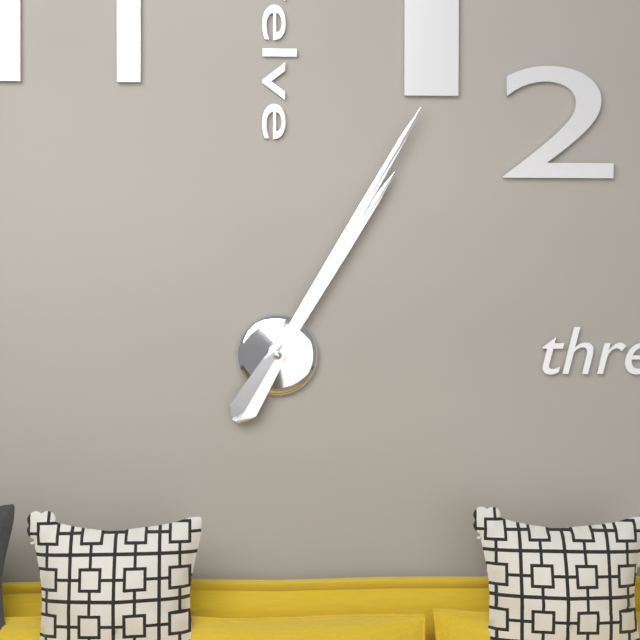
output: h=1 m=5
